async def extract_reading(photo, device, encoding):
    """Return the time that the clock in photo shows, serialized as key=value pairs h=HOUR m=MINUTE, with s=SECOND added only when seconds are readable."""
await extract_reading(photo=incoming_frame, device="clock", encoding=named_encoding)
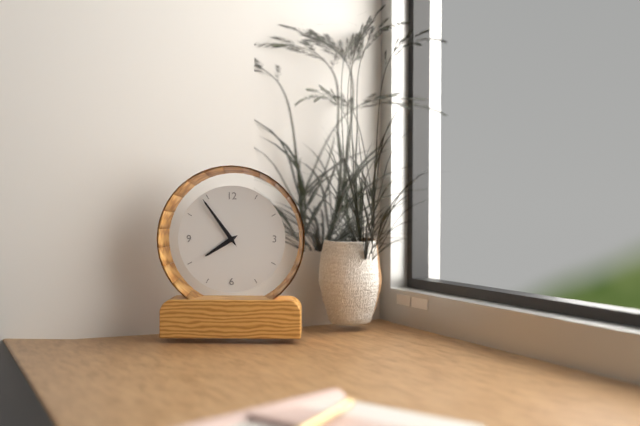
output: h=7 m=54
